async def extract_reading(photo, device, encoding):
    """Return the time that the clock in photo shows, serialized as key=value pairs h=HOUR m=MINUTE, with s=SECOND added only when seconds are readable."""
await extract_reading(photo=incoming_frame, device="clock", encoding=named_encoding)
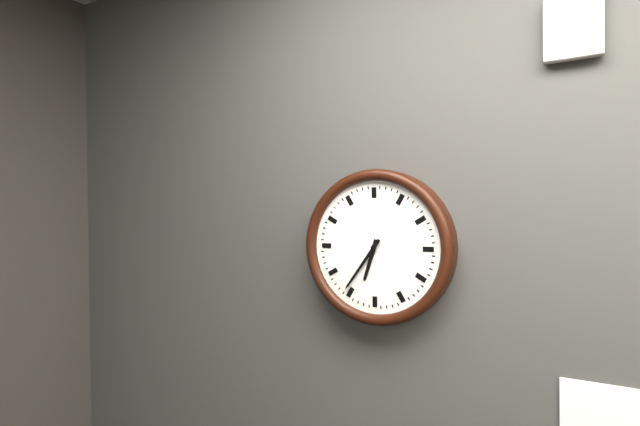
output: h=6 m=36
